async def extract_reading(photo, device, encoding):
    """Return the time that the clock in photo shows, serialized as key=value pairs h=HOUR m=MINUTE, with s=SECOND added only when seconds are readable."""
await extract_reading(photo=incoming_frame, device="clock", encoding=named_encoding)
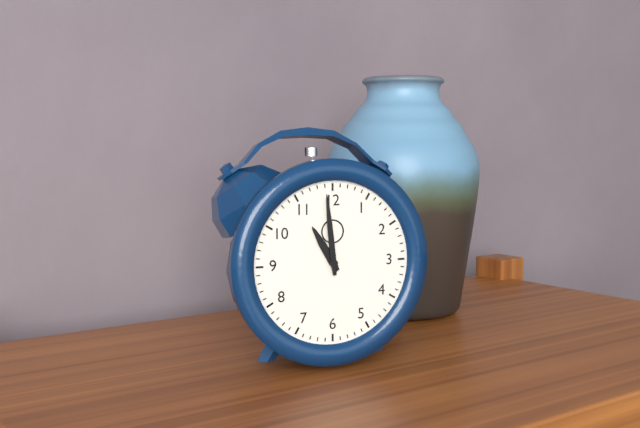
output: h=10 m=59
